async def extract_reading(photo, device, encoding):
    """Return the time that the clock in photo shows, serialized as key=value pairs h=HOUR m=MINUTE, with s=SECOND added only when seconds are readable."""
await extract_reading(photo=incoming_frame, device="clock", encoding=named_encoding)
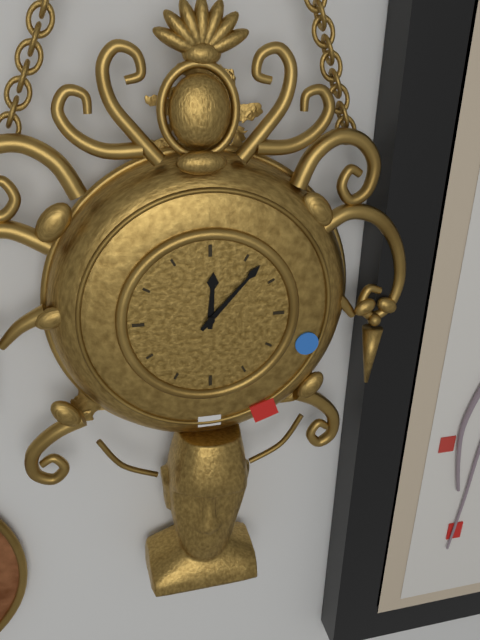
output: h=12 m=7
